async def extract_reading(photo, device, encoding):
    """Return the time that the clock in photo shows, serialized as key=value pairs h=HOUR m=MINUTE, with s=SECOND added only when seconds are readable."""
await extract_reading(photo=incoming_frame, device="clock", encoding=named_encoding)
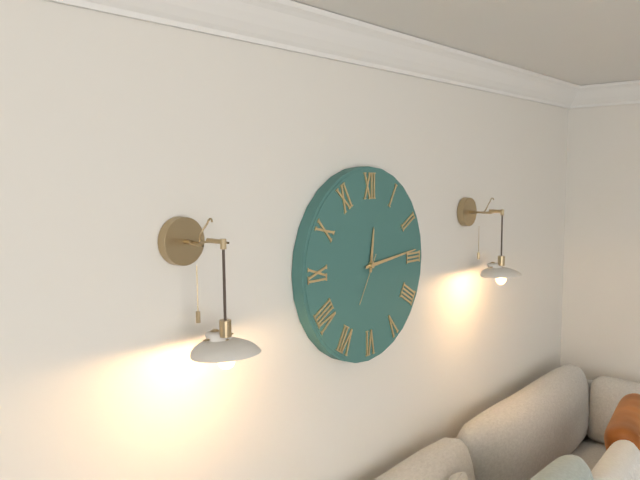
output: h=12 m=14 s=35
